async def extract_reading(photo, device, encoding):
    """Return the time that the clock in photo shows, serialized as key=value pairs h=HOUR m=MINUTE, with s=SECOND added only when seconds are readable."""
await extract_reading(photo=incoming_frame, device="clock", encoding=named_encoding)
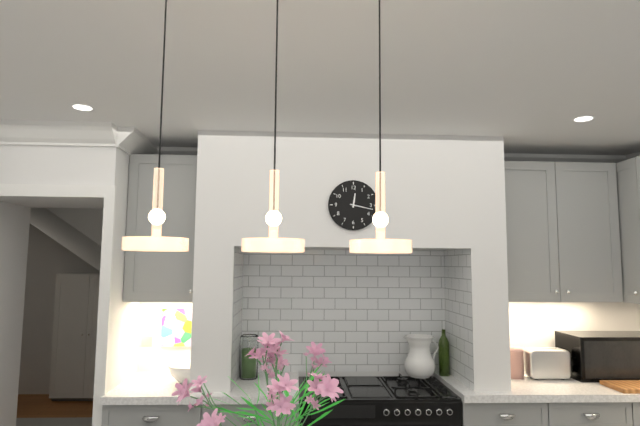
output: h=12 m=17
